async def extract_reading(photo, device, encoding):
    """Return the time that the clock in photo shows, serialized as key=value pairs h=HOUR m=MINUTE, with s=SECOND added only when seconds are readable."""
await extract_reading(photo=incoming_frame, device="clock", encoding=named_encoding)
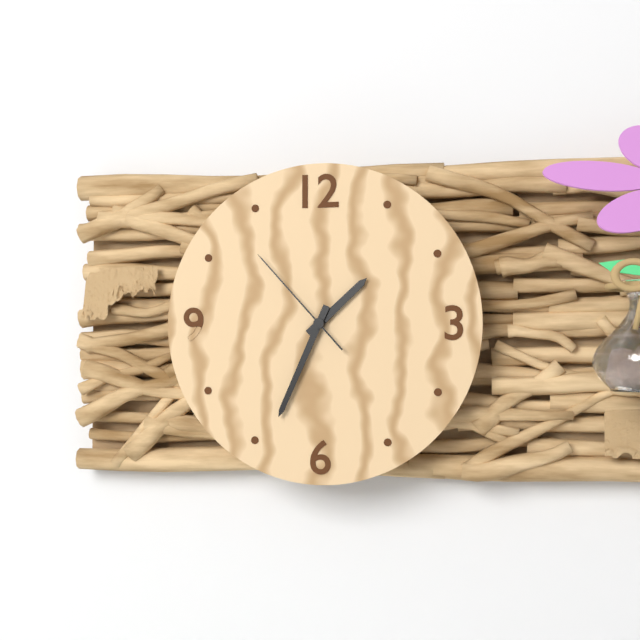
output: h=1 m=34 s=53
